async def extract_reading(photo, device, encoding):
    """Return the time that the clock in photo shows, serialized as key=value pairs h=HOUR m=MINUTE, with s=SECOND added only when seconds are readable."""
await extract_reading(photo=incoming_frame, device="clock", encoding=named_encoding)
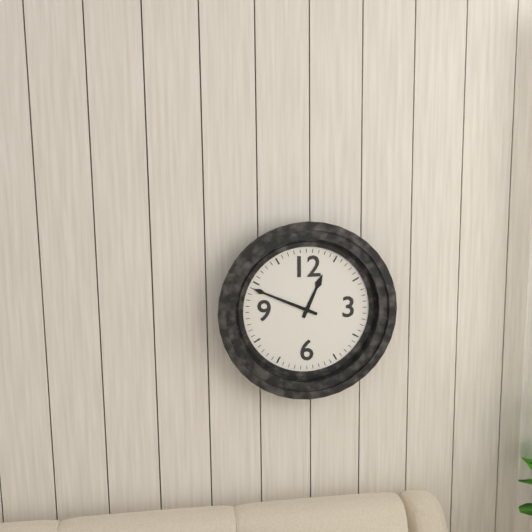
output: h=12 m=49
